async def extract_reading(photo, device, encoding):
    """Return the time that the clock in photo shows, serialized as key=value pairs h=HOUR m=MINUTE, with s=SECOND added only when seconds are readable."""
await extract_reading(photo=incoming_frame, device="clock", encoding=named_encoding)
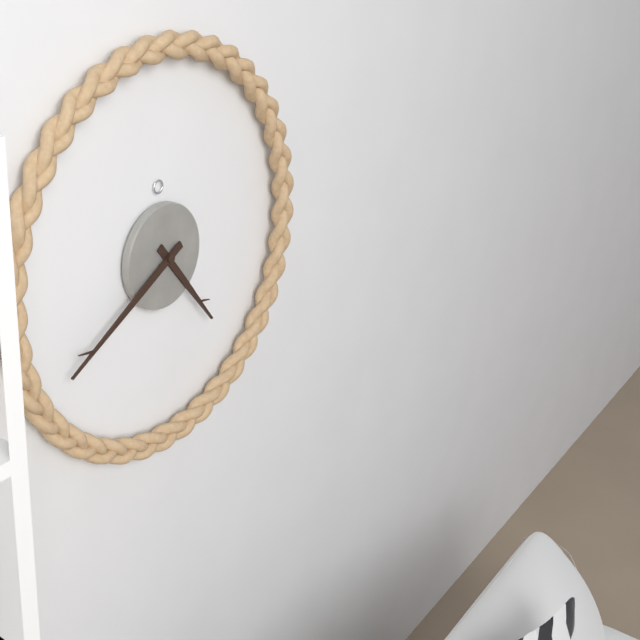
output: h=4 m=40
